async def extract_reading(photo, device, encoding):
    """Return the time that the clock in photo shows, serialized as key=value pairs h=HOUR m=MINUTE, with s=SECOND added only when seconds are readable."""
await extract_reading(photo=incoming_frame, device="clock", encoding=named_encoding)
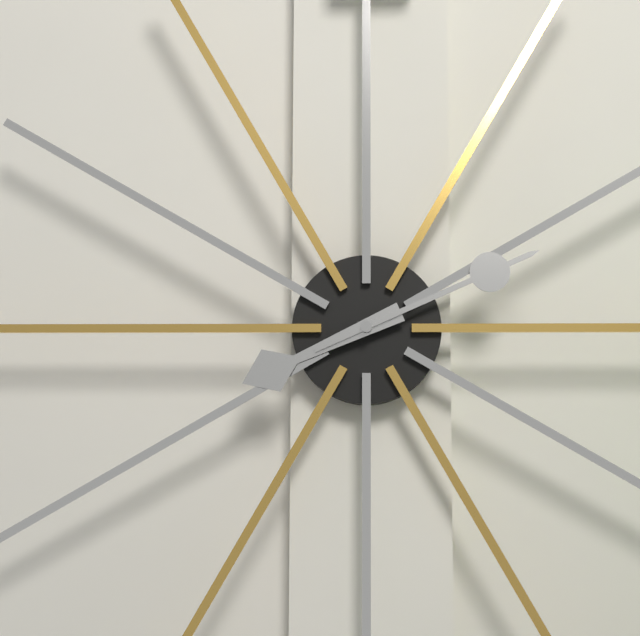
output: h=8 m=11
